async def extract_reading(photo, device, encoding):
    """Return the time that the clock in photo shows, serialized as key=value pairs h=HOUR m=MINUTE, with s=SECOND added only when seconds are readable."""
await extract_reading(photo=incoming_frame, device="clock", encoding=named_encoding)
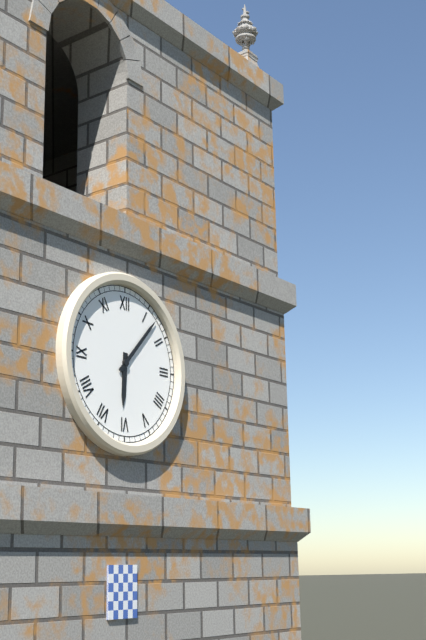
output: h=6 m=7
